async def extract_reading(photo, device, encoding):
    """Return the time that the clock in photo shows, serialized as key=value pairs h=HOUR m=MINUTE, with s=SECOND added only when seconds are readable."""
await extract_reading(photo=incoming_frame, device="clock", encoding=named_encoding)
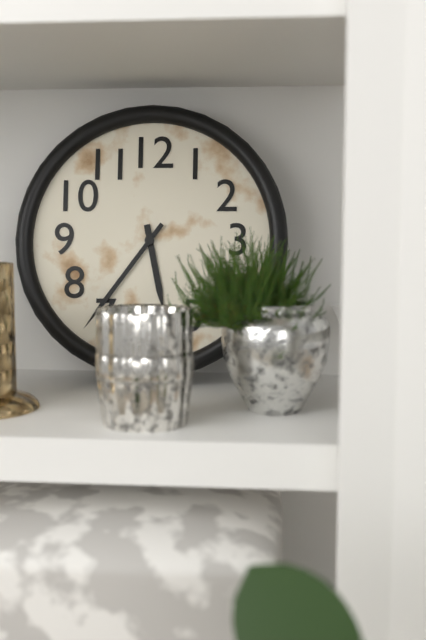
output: h=5 m=36
